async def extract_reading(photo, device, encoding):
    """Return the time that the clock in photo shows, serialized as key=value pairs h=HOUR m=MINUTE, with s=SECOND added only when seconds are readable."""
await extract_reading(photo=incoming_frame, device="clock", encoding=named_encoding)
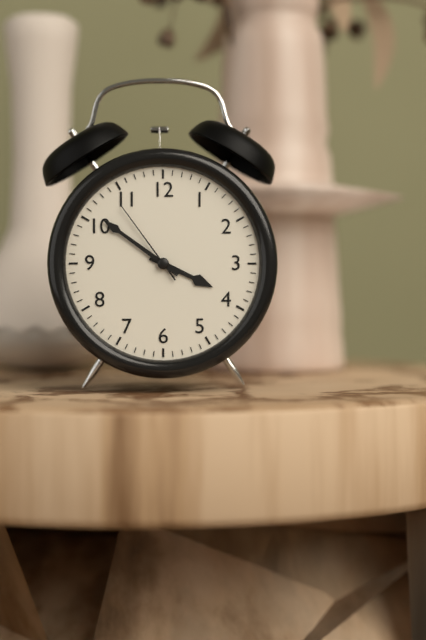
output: h=3 m=51 s=54
